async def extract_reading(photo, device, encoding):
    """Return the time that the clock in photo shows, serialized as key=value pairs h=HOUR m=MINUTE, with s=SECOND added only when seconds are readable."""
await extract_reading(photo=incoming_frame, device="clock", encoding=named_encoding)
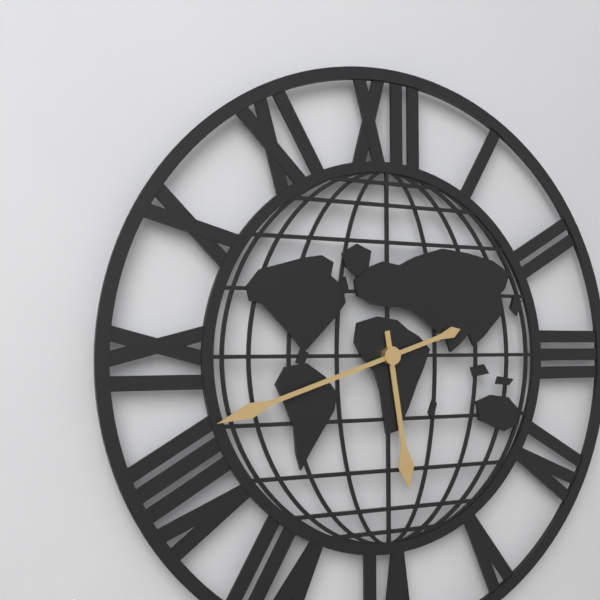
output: h=5 m=42
